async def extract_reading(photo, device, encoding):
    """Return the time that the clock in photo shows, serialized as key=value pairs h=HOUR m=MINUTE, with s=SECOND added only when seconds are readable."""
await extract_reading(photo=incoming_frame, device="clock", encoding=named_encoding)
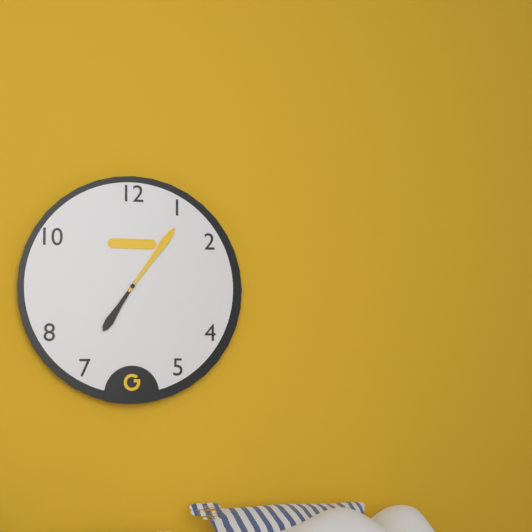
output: h=7 m=6
